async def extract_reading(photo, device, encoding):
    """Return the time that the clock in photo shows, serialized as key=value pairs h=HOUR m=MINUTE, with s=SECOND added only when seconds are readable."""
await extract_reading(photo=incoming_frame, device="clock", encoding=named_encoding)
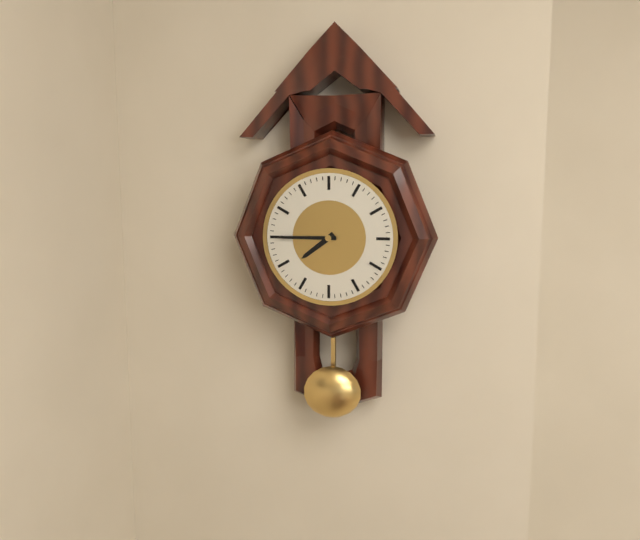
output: h=7 m=45
